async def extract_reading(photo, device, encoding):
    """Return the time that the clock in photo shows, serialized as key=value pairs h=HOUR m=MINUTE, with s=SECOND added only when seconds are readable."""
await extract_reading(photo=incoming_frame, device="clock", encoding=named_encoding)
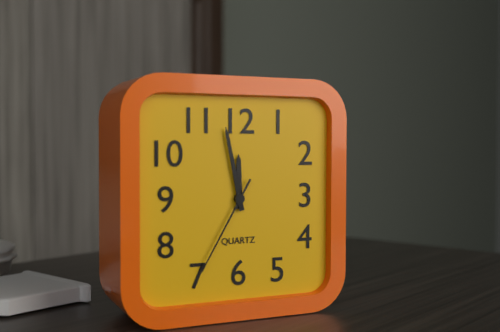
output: h=11 m=58 s=35
